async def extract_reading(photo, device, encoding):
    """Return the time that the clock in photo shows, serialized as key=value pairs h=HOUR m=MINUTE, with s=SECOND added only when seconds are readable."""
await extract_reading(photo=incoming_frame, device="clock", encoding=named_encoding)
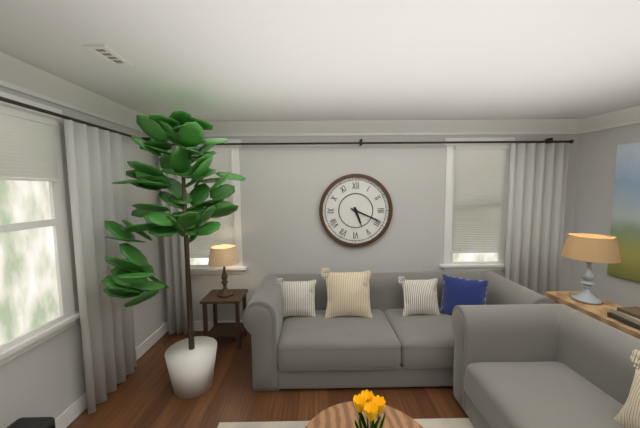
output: h=5 m=19
